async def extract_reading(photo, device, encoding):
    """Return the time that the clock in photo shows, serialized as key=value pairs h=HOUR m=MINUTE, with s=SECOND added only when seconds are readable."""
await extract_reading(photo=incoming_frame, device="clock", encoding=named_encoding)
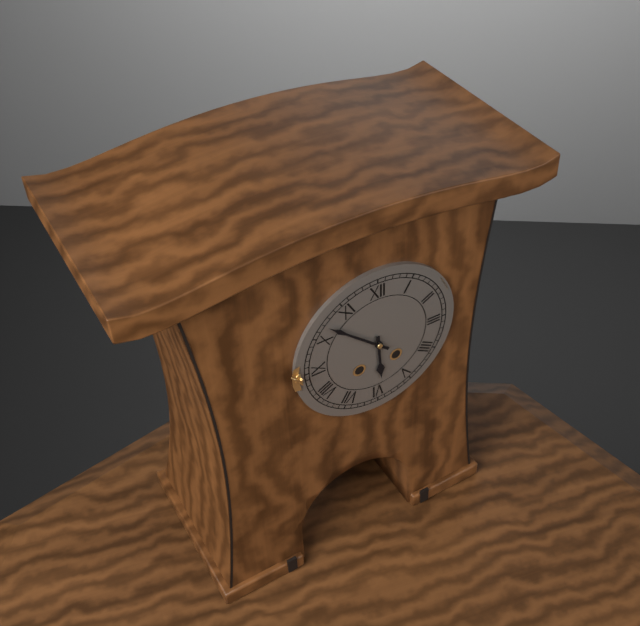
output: h=5 m=52
